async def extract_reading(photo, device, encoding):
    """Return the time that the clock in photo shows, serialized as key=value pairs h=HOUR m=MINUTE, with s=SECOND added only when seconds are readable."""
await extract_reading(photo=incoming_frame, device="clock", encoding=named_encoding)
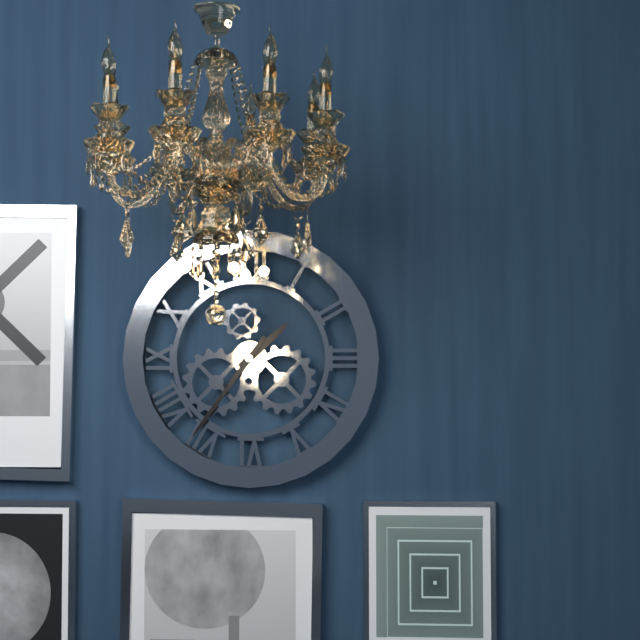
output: h=1 m=36
